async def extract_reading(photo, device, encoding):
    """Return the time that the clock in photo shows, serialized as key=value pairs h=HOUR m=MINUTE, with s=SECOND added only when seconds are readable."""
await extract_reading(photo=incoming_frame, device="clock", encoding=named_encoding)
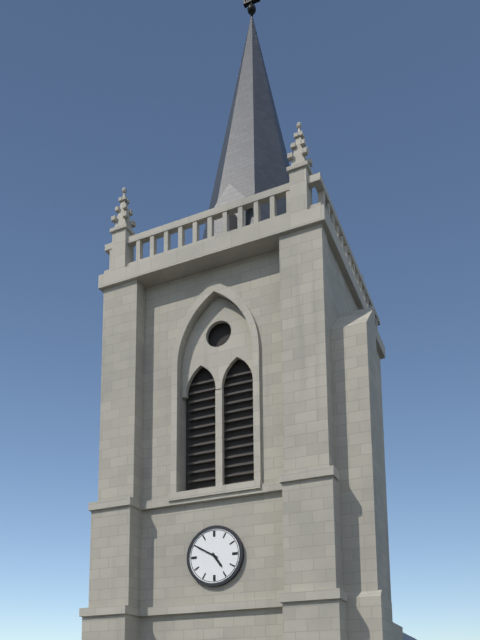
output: h=4 m=50
